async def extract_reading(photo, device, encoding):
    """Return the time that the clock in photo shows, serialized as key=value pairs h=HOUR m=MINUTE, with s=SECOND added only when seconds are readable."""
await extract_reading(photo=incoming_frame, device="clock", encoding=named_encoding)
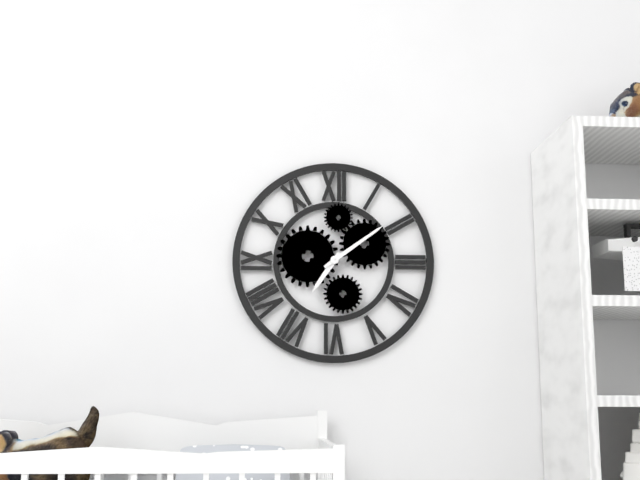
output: h=7 m=9
